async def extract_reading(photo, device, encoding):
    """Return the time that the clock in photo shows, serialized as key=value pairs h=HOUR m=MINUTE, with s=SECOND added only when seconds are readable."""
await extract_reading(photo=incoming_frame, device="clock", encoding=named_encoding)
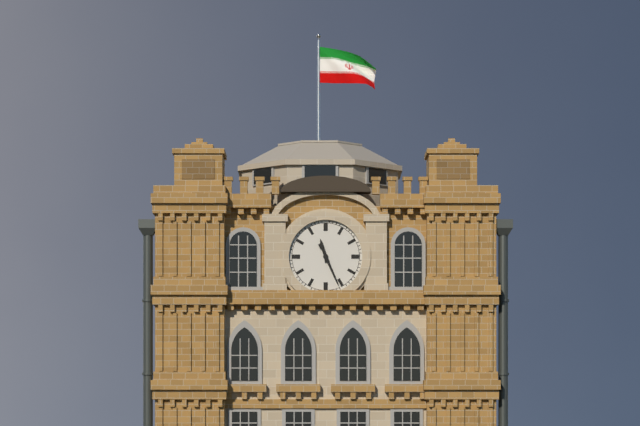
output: h=11 m=26
